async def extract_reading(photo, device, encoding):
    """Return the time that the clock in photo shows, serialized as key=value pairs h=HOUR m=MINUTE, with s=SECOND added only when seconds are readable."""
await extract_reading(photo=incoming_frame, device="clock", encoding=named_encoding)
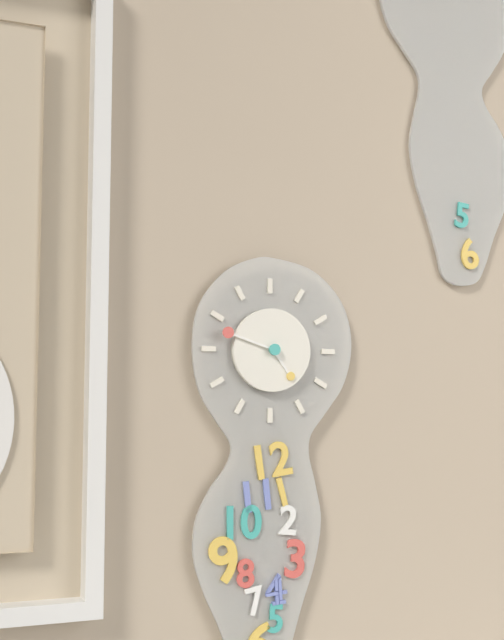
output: h=4 m=48
